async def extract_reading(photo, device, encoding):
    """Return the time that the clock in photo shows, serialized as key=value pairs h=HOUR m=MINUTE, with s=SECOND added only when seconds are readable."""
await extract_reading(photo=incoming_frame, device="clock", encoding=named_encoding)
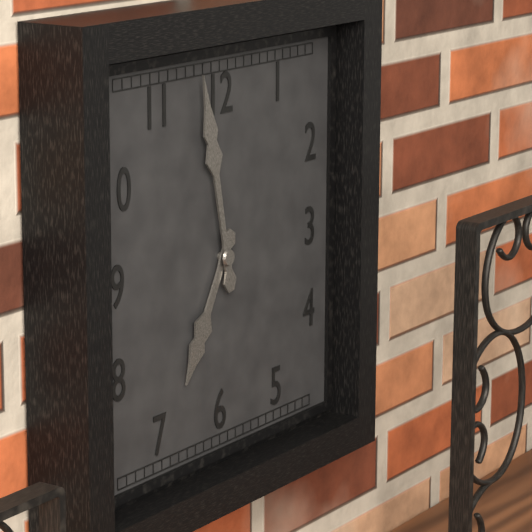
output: h=6 m=58
